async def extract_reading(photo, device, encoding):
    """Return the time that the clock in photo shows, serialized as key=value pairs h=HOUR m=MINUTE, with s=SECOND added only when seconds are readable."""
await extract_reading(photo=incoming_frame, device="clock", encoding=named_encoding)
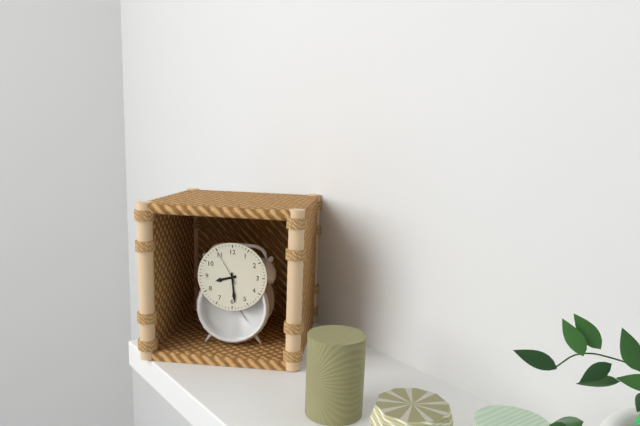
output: h=8 m=29
